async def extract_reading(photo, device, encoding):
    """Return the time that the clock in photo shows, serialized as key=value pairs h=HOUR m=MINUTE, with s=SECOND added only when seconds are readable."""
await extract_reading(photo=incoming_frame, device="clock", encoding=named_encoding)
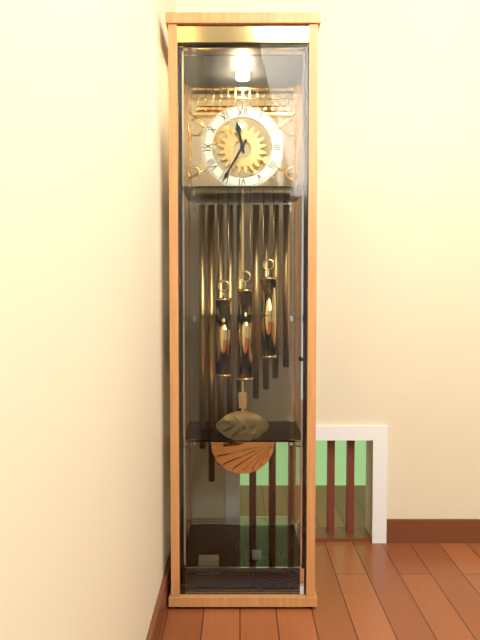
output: h=11 m=35
